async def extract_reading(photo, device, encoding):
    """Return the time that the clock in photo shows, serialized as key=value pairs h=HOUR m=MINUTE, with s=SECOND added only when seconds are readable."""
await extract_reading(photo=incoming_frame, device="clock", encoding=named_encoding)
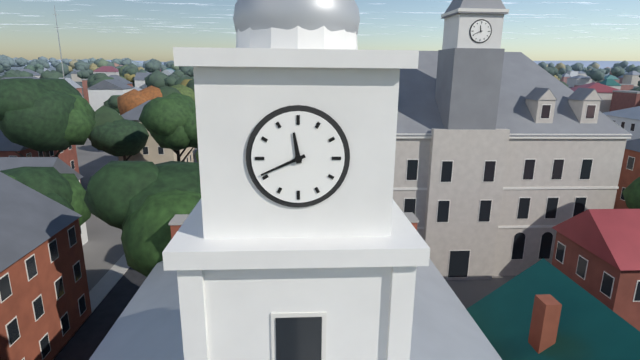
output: h=11 m=41
